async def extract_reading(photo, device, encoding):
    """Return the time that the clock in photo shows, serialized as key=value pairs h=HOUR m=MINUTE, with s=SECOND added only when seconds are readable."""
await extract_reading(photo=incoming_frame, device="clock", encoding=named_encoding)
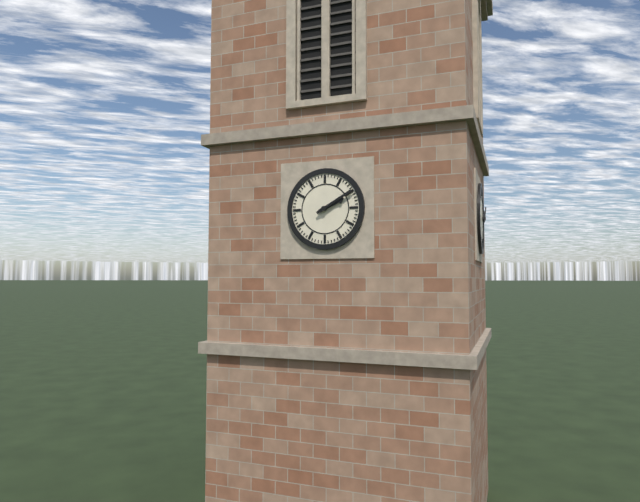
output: h=2 m=10
